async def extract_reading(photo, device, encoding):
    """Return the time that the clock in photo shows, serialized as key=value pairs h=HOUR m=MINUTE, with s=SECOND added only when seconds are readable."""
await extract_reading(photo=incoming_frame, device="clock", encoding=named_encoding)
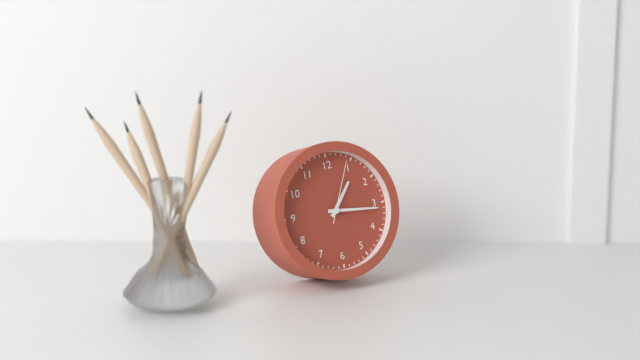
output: h=1 m=16 s=4
